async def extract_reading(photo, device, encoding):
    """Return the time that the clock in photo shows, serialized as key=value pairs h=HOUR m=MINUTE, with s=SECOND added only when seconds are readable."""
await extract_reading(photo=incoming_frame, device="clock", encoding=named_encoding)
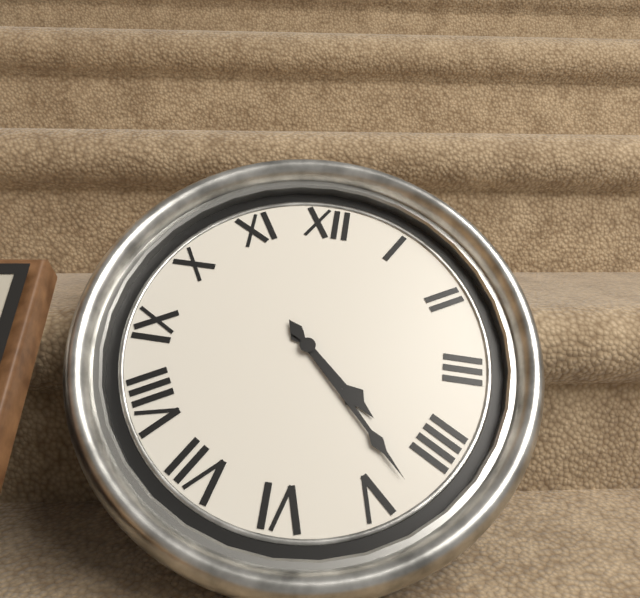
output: h=4 m=23
